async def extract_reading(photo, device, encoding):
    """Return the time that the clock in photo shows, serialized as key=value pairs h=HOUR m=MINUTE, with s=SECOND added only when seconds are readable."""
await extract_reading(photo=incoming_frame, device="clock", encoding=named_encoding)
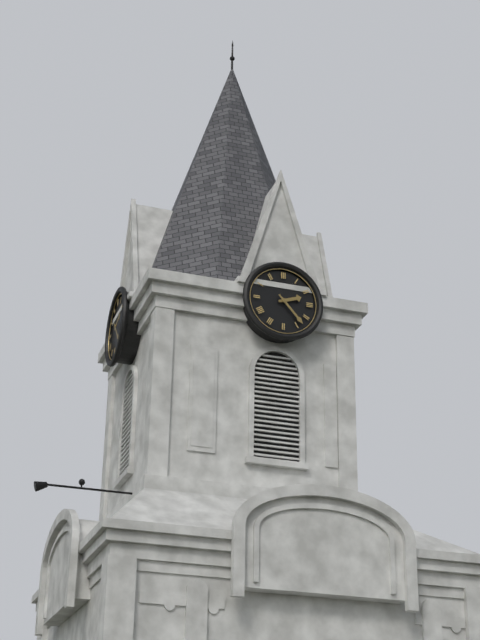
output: h=2 m=23
